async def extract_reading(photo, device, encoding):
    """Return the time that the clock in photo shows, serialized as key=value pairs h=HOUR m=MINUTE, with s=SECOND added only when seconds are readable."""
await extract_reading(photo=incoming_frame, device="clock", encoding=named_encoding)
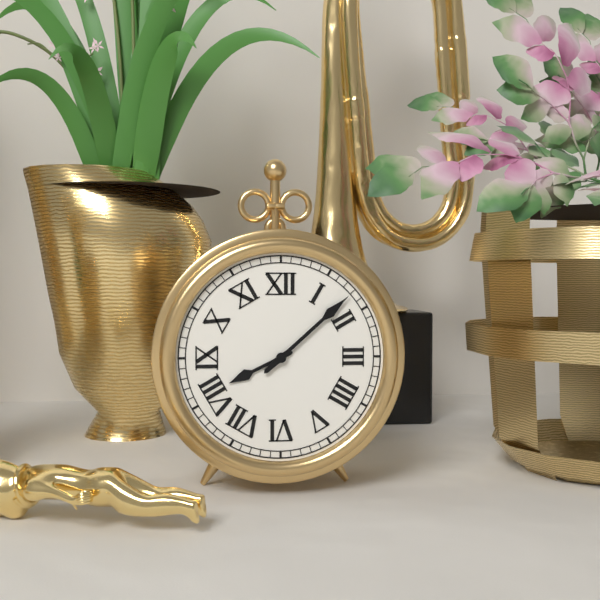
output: h=8 m=8
